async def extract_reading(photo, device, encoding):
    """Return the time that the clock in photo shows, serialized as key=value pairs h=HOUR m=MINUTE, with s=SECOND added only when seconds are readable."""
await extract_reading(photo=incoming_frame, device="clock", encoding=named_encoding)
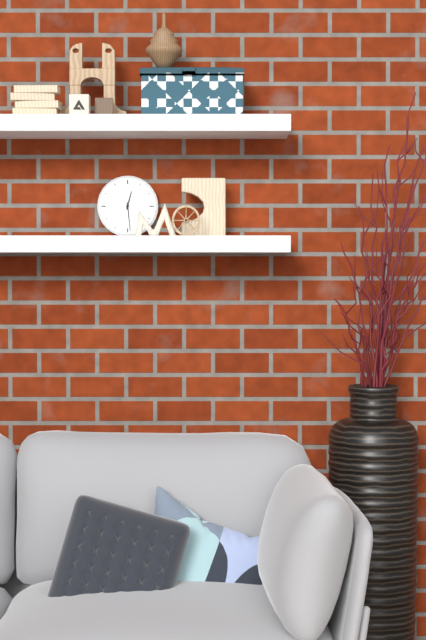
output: h=12 m=29
